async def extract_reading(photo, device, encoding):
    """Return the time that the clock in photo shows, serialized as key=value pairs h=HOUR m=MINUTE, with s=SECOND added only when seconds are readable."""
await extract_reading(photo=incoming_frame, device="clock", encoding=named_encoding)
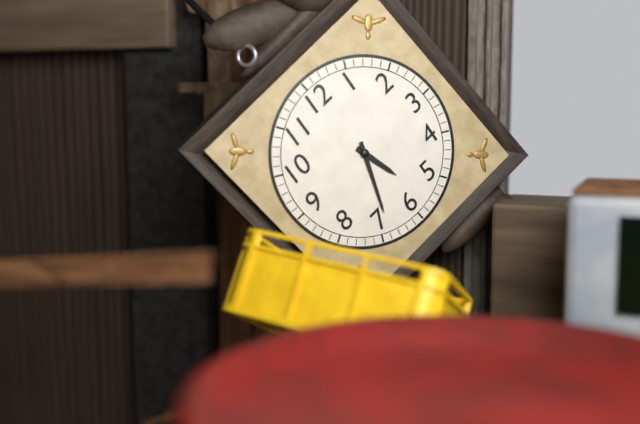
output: h=5 m=34
